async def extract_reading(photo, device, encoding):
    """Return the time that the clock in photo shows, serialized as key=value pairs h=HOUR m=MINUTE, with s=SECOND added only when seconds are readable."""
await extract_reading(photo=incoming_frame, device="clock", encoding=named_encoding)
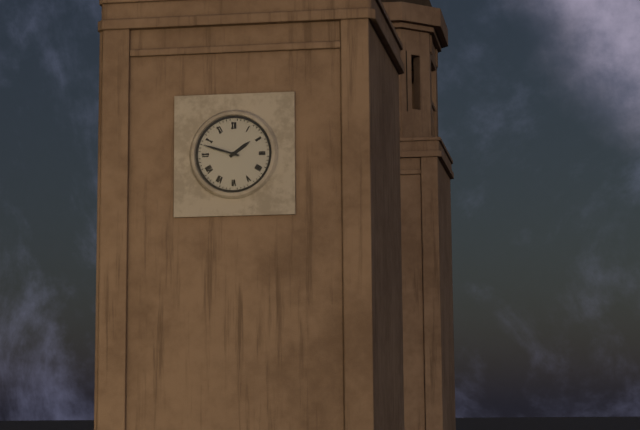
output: h=1 m=48
